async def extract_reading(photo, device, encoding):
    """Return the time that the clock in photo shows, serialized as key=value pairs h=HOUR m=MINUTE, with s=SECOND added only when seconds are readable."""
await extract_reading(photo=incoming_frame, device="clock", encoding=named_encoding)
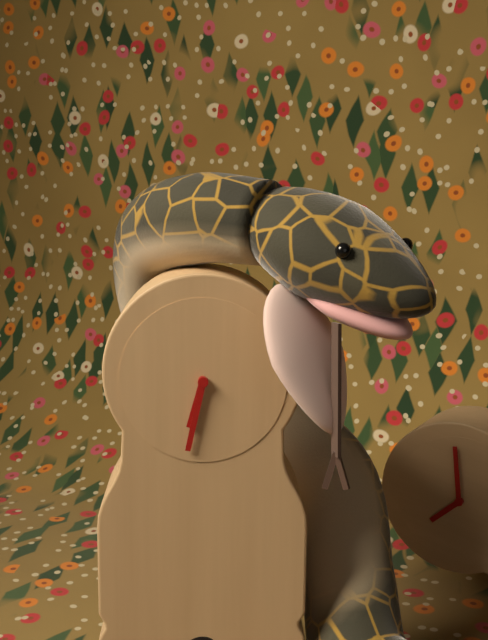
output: h=6 m=32
